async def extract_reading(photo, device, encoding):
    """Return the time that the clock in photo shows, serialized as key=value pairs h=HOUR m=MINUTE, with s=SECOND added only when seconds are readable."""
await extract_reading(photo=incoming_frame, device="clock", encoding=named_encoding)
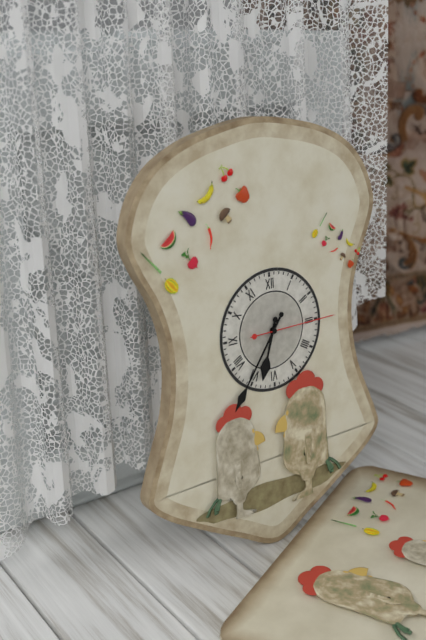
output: h=6 m=36 s=15
